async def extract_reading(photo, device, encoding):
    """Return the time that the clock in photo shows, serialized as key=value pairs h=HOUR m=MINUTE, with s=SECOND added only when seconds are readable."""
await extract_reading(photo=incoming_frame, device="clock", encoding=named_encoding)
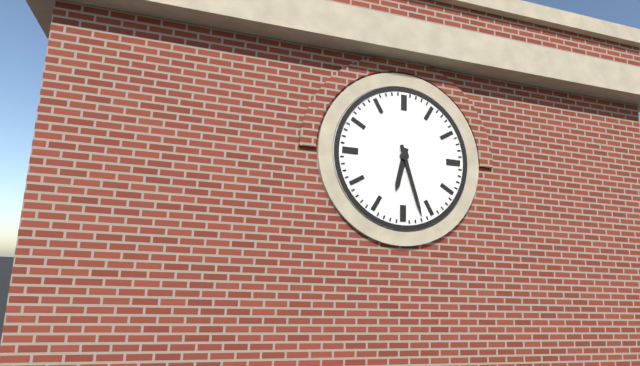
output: h=6 m=27
